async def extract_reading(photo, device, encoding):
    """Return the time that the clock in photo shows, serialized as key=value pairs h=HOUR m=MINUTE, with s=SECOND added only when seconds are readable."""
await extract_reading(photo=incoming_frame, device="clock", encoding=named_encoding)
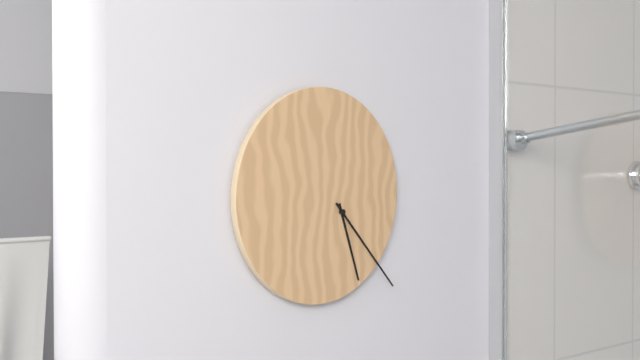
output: h=5 m=23
